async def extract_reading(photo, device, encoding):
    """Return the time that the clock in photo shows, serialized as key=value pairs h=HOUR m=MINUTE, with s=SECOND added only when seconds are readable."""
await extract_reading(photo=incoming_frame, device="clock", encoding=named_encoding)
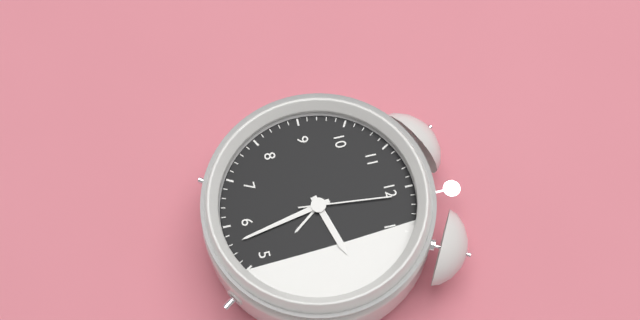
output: h=2 m=28 s=1
